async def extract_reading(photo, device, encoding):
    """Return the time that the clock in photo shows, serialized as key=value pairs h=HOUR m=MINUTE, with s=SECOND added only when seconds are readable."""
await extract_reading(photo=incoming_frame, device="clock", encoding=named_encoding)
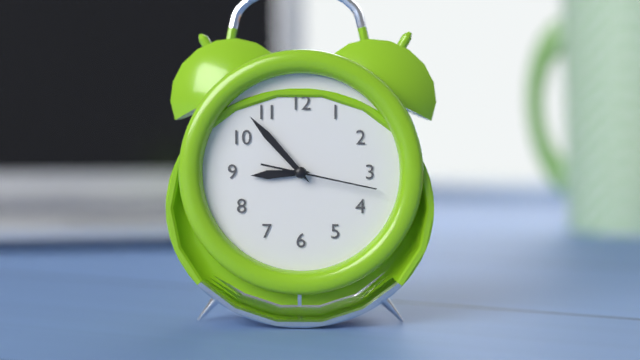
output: h=8 m=53 s=17
